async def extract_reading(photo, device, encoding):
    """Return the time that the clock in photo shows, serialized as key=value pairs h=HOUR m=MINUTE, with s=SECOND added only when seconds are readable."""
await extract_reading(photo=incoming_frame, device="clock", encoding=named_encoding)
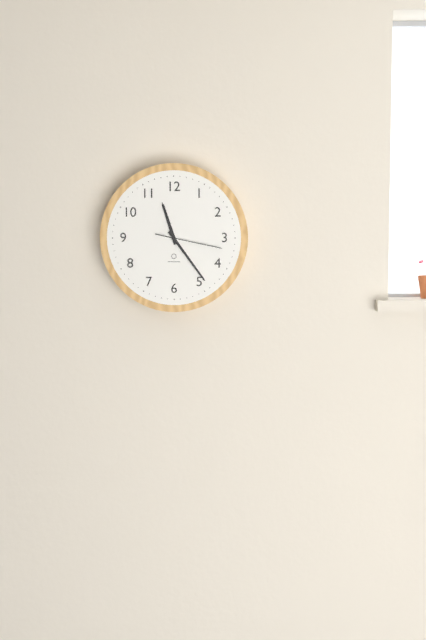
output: h=11 m=24 s=17
